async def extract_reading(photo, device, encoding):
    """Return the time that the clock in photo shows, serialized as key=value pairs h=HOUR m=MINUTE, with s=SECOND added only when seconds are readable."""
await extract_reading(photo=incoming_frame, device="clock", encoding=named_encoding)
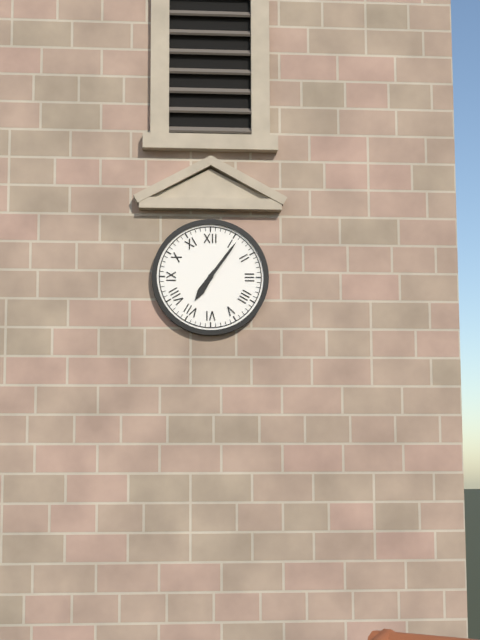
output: h=7 m=6
